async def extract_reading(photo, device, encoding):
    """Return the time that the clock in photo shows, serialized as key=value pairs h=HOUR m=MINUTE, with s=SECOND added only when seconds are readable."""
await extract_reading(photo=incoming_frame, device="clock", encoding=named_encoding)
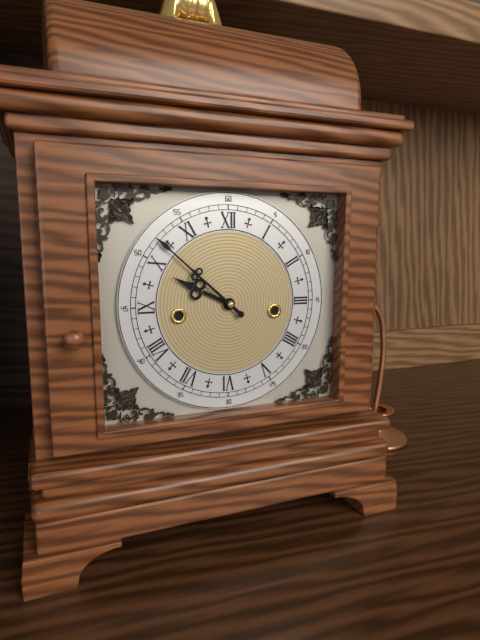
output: h=9 m=52
